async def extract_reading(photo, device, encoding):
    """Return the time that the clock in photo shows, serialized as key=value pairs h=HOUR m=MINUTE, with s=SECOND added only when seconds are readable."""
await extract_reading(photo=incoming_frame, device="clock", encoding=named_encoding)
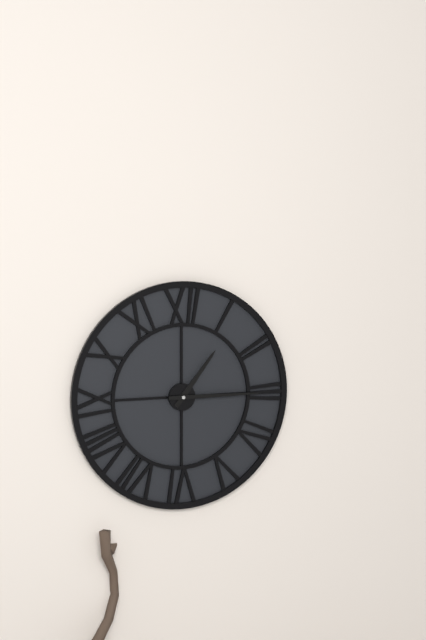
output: h=1 m=15
